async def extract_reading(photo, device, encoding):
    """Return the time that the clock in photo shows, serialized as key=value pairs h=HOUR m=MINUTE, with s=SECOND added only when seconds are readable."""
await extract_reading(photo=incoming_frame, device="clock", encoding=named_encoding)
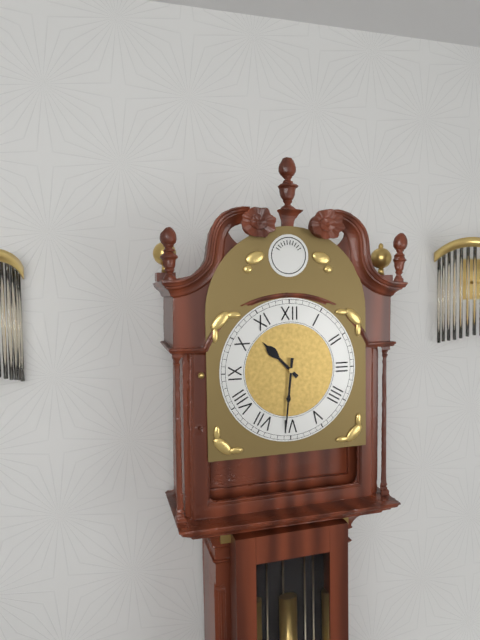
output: h=10 m=31
